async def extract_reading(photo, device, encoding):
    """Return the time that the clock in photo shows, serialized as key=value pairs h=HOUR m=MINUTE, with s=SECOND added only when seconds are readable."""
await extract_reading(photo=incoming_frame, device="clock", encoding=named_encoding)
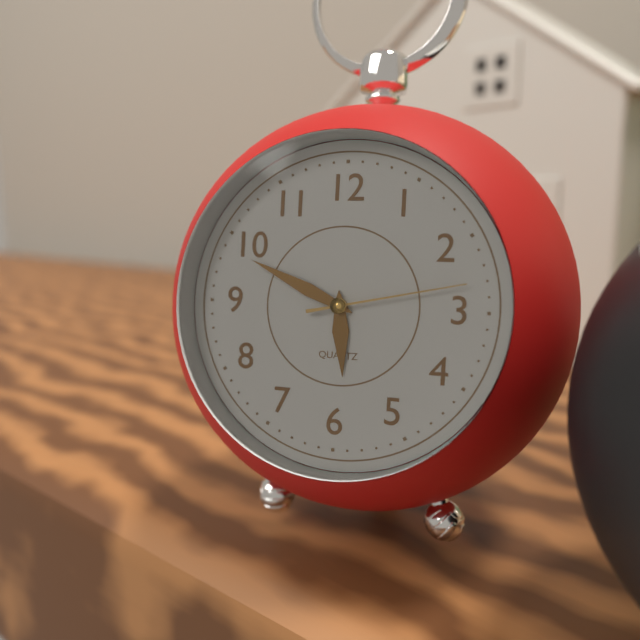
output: h=5 m=49 s=13
